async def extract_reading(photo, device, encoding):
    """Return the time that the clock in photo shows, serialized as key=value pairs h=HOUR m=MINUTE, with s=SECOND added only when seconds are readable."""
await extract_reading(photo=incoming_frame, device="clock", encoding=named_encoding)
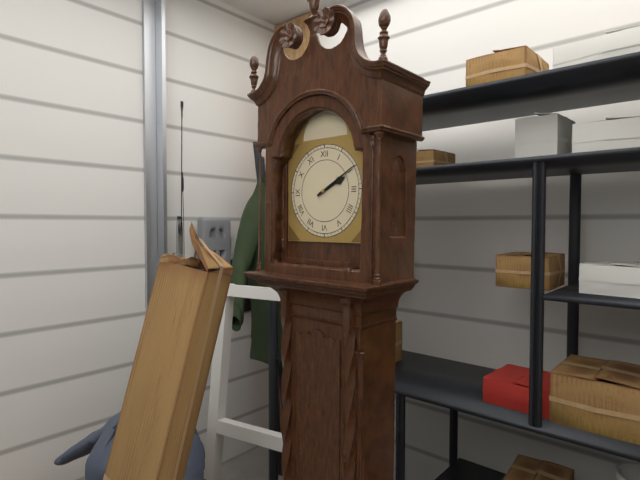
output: h=2 m=10
